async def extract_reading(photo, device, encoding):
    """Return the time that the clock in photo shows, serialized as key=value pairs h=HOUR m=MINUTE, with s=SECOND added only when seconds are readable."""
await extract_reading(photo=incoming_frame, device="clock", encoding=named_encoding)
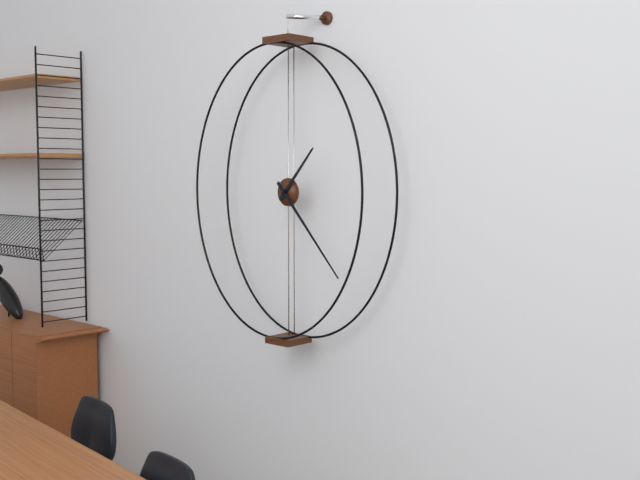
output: h=1 m=23
